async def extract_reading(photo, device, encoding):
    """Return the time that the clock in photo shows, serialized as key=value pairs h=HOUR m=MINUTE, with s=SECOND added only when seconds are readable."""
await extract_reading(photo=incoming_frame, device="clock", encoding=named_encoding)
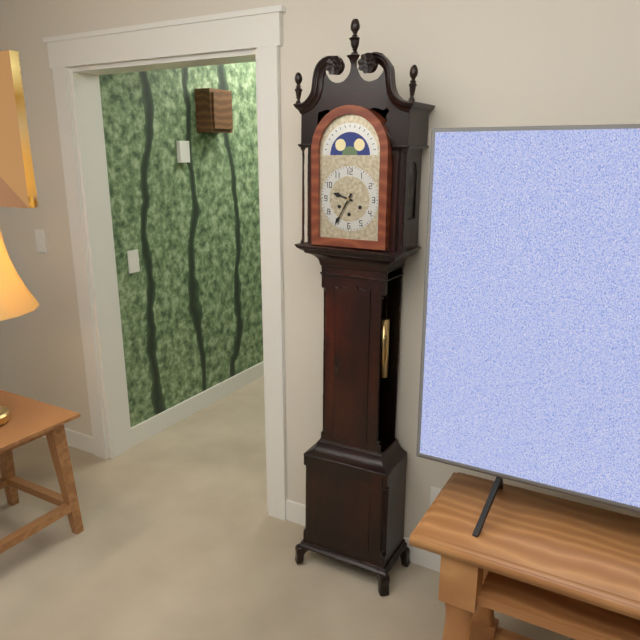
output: h=9 m=35
